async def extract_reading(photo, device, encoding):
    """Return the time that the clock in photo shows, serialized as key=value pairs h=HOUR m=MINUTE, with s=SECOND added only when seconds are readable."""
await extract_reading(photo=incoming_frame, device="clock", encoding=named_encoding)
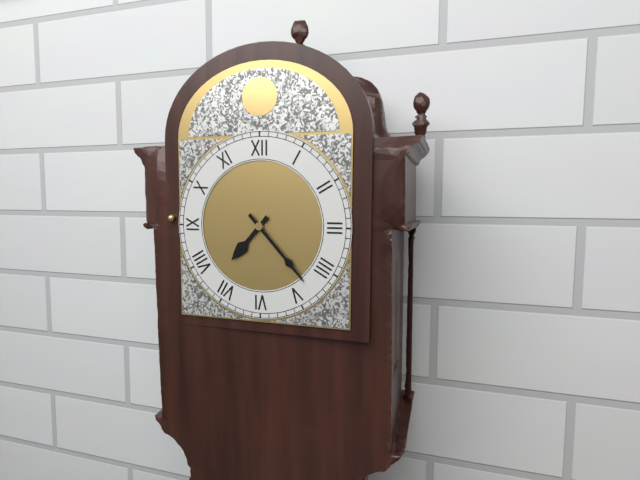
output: h=7 m=23
